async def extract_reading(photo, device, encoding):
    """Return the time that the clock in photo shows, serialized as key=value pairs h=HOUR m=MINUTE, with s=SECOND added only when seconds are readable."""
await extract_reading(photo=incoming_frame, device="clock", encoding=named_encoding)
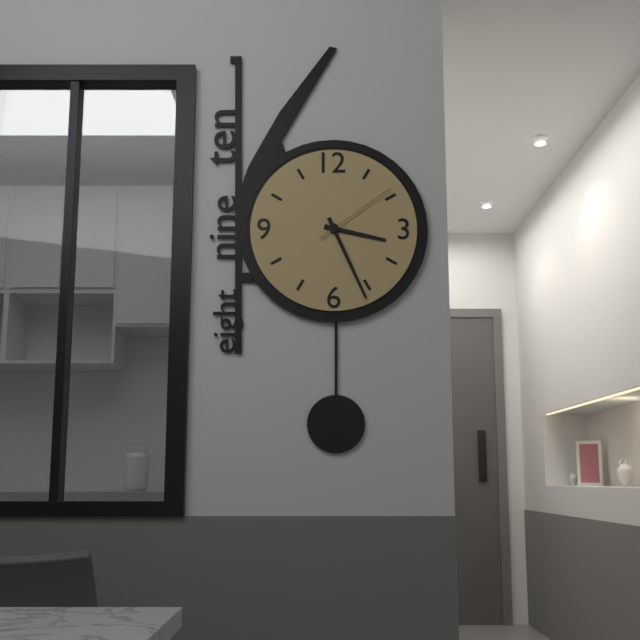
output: h=3 m=26 s=9
